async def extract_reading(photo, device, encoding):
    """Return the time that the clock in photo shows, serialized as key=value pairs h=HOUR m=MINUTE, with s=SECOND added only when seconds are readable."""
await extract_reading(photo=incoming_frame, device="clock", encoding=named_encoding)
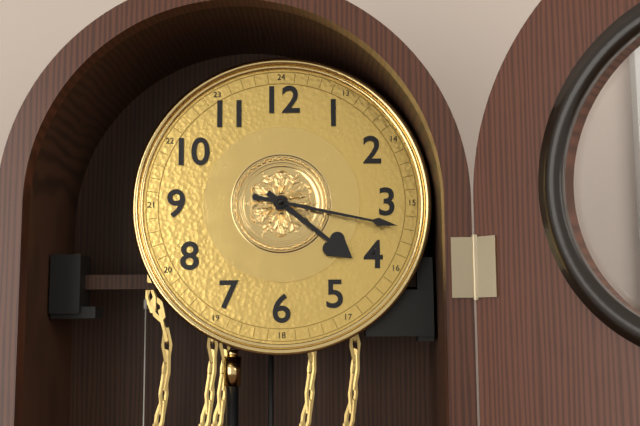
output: h=4 m=17
